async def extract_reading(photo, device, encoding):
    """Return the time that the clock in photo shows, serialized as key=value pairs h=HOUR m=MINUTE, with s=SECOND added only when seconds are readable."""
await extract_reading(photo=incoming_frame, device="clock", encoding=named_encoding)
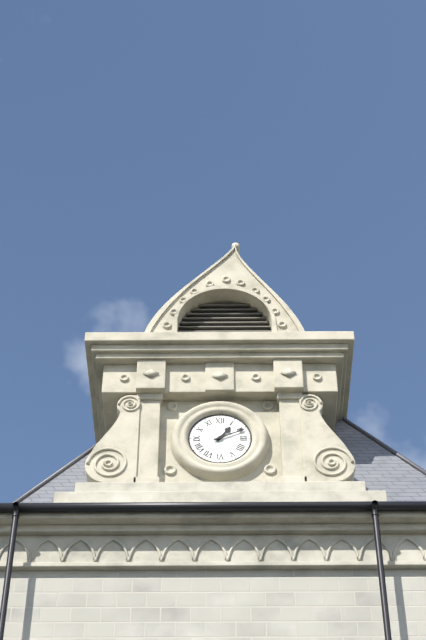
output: h=1 m=11
